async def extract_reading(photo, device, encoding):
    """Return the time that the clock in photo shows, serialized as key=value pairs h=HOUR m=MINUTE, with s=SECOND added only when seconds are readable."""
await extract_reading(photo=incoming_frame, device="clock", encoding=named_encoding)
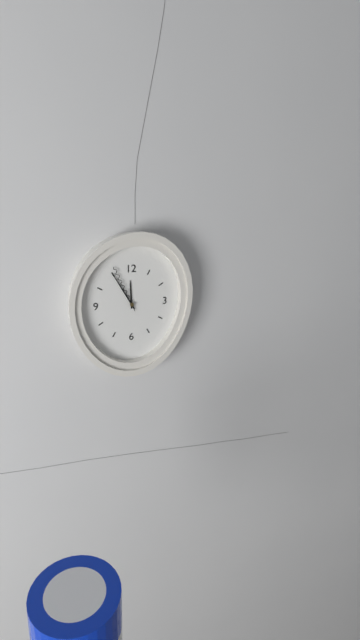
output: h=11 m=55 s=56
